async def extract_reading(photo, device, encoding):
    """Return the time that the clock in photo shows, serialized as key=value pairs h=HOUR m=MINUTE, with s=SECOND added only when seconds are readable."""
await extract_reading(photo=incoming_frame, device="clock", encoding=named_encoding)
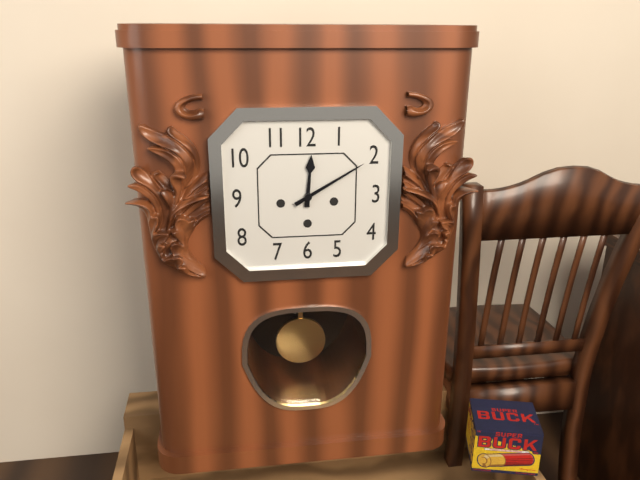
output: h=12 m=10
